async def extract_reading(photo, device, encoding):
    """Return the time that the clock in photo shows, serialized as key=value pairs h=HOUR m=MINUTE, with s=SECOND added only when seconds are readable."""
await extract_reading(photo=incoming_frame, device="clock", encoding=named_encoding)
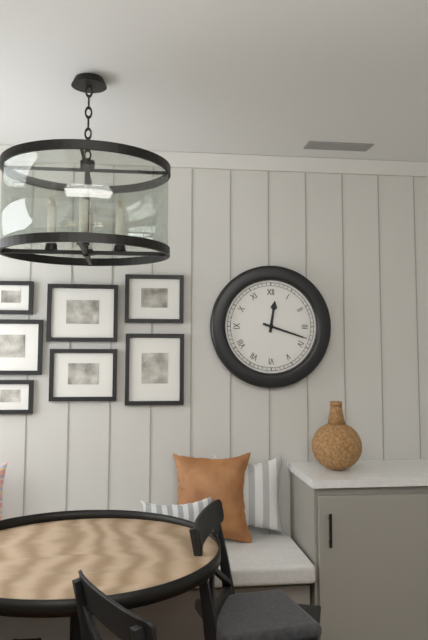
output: h=12 m=18
